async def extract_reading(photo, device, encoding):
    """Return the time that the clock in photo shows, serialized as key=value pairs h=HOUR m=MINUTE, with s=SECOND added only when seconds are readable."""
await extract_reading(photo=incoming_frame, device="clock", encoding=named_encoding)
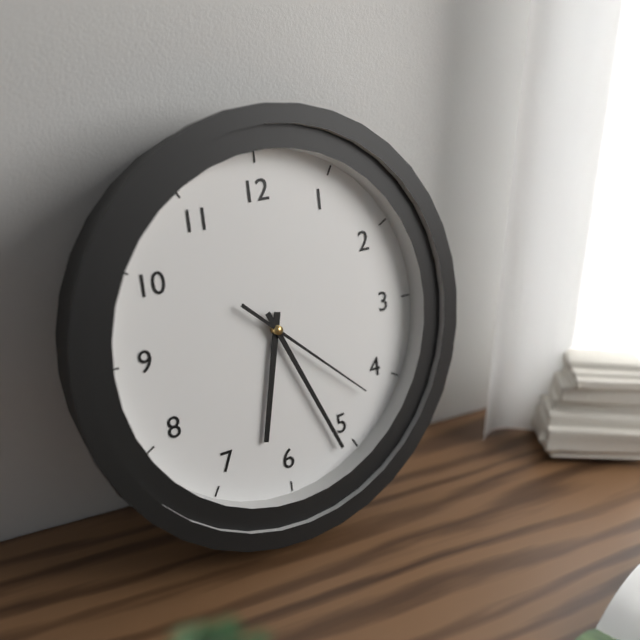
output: h=6 m=26 s=22
